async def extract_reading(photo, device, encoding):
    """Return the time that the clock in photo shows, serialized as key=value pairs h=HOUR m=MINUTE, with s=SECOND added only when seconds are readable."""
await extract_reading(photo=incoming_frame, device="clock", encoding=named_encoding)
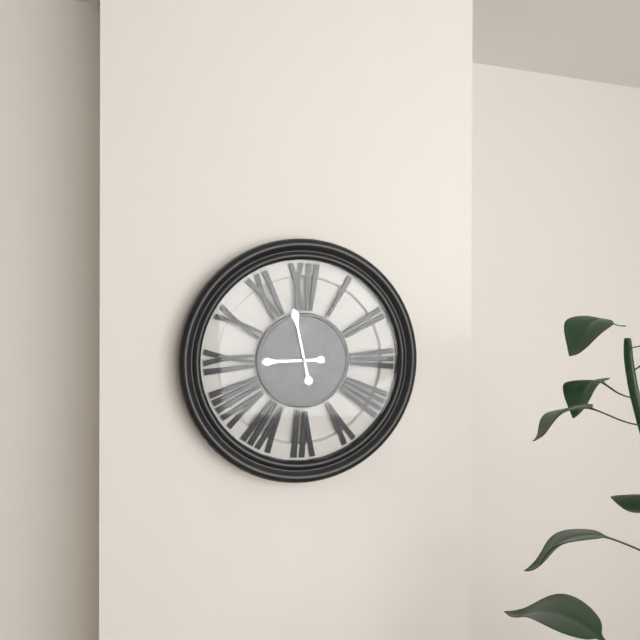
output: h=8 m=58
